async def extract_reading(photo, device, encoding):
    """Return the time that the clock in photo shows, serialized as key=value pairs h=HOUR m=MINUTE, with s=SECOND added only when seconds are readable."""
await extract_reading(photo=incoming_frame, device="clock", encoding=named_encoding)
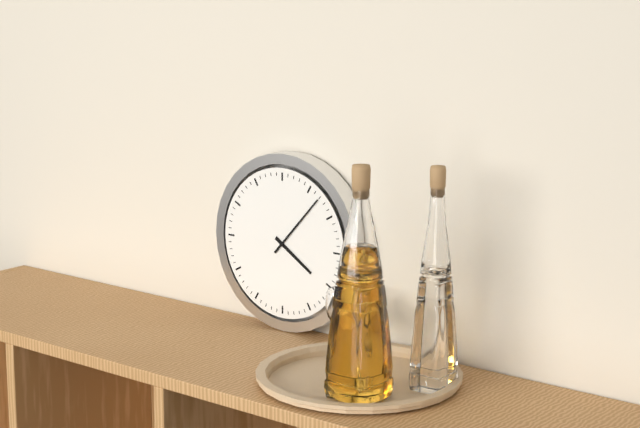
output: h=4 m=7
